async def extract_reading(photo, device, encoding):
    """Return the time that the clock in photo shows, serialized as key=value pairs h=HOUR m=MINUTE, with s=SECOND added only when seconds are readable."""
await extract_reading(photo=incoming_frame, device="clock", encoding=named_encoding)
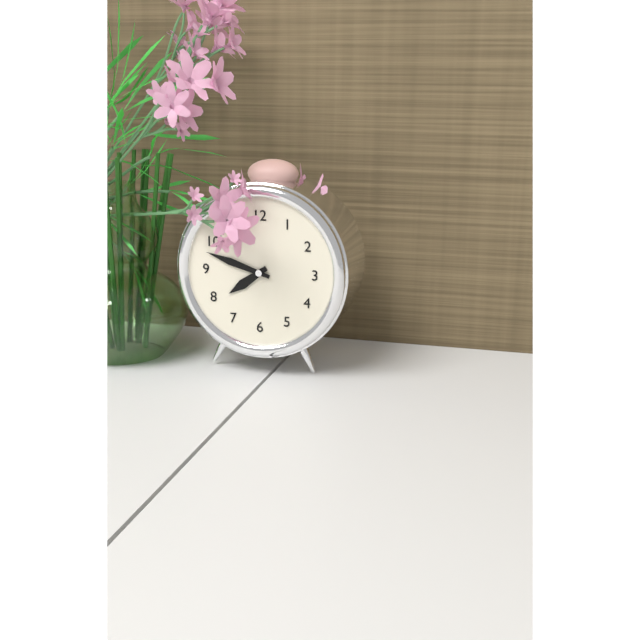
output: h=7 m=48
